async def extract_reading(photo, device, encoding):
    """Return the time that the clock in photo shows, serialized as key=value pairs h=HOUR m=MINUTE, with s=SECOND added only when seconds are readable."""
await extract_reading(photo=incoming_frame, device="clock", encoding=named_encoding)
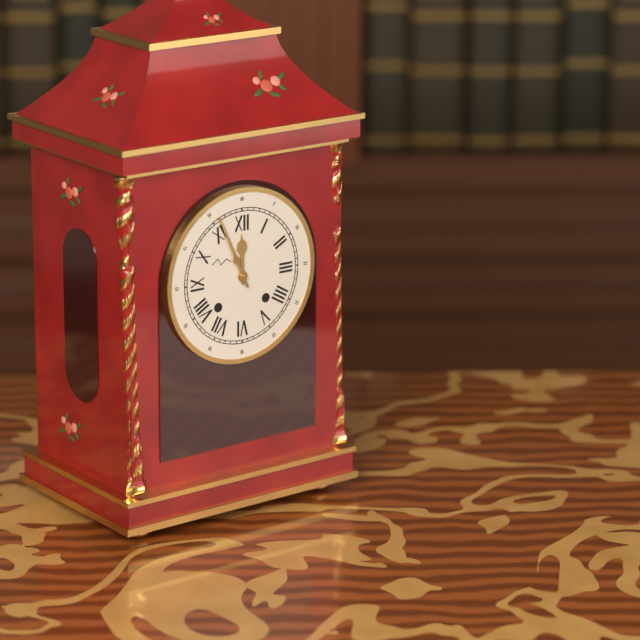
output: h=11 m=56
